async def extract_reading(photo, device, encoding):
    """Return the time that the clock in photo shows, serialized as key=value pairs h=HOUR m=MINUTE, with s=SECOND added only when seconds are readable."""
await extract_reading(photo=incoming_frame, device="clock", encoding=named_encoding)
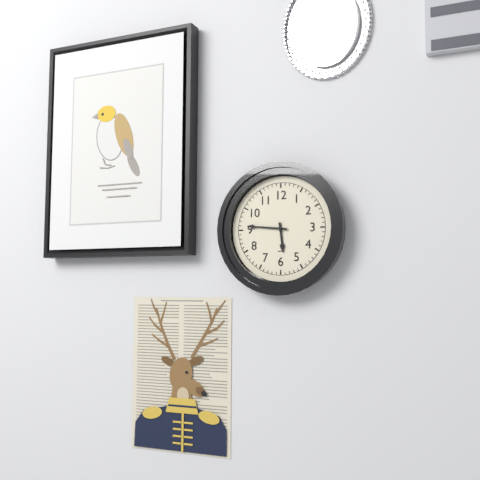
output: h=5 m=46
